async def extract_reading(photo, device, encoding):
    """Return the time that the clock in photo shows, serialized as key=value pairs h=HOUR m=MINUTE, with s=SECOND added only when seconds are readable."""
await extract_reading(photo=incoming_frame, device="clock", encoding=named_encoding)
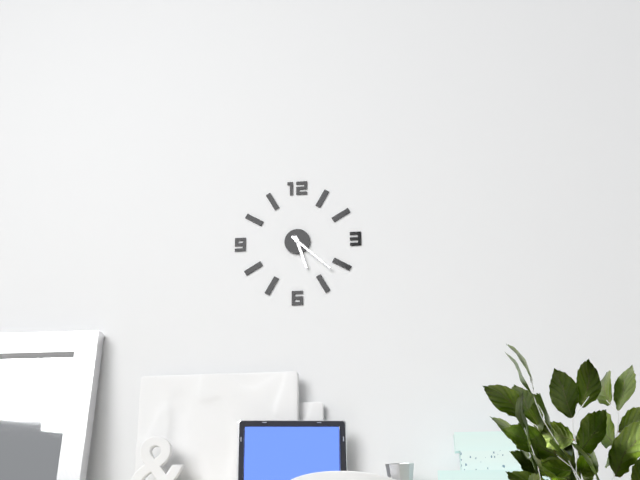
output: h=5 m=22
